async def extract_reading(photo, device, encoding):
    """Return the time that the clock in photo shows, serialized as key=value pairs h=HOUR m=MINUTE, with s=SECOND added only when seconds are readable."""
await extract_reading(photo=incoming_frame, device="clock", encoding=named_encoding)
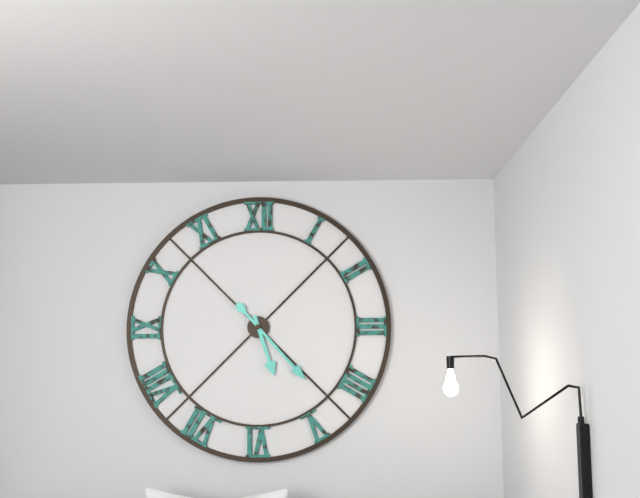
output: h=5 m=23
